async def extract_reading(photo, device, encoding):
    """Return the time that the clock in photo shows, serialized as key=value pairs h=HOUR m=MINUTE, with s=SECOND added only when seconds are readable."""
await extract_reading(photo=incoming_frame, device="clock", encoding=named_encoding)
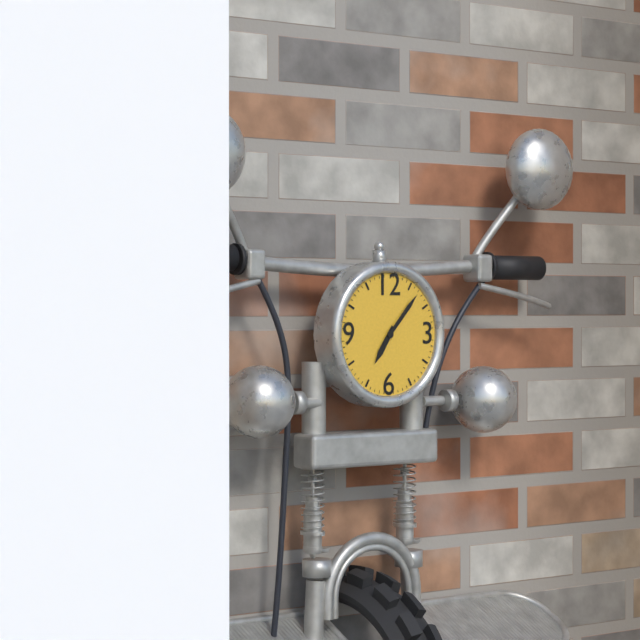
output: h=7 m=7
